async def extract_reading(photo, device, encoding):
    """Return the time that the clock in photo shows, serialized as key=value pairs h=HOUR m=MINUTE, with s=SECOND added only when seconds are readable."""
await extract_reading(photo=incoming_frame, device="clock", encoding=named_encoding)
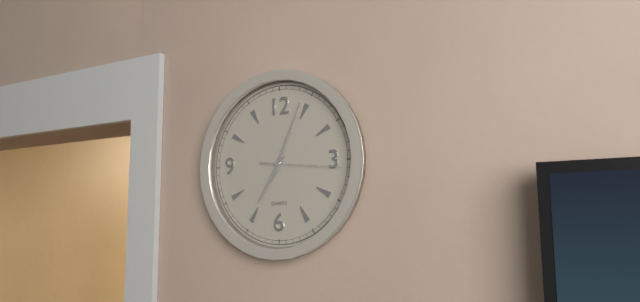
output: h=7 m=4 s=16
